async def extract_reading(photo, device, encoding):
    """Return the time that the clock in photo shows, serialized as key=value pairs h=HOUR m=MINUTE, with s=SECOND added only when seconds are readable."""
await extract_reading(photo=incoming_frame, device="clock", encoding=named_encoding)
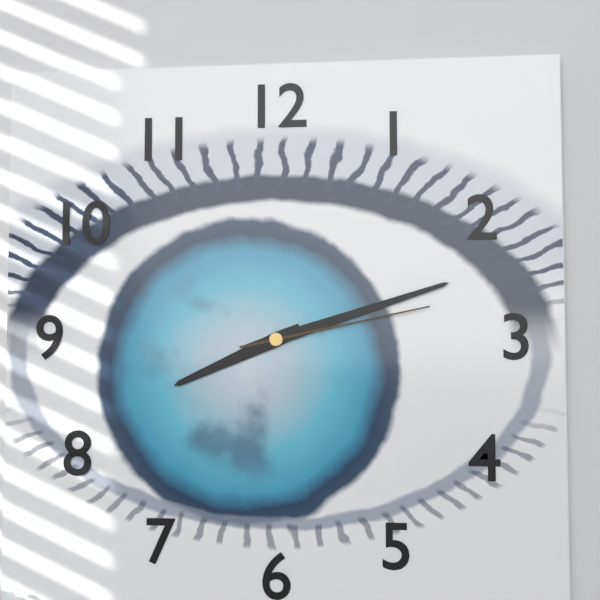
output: h=8 m=12 s=13
